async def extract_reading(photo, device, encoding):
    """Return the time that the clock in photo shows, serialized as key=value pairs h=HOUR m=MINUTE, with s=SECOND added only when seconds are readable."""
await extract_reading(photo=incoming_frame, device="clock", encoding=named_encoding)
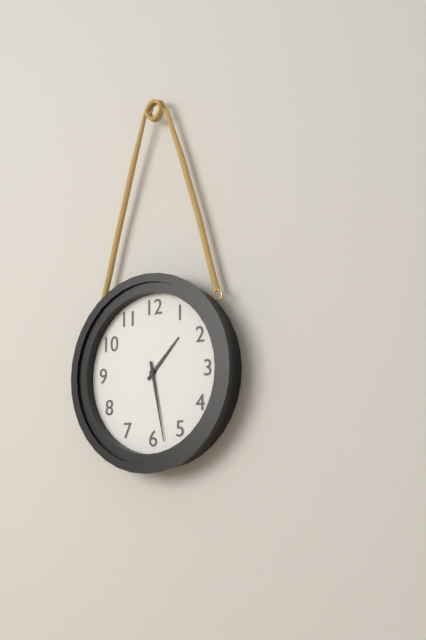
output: h=1 m=28
